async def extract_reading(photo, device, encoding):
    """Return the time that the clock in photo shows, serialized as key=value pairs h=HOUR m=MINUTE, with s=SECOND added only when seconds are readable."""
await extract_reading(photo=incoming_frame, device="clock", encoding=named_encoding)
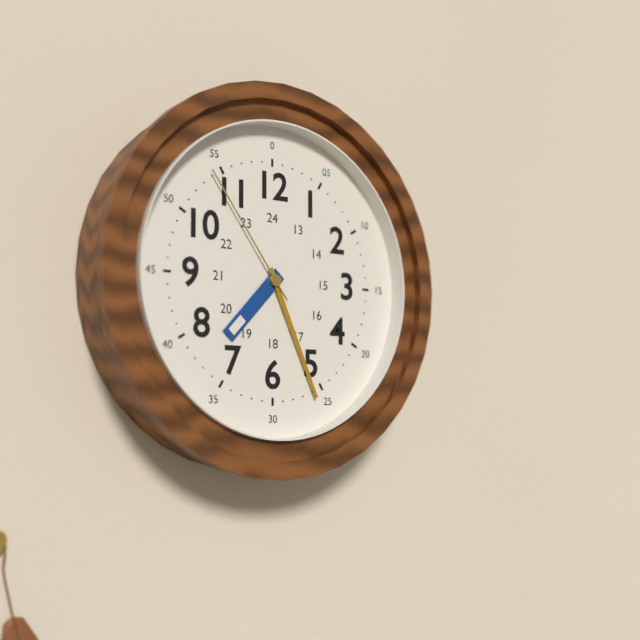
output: h=7 m=26 s=54
